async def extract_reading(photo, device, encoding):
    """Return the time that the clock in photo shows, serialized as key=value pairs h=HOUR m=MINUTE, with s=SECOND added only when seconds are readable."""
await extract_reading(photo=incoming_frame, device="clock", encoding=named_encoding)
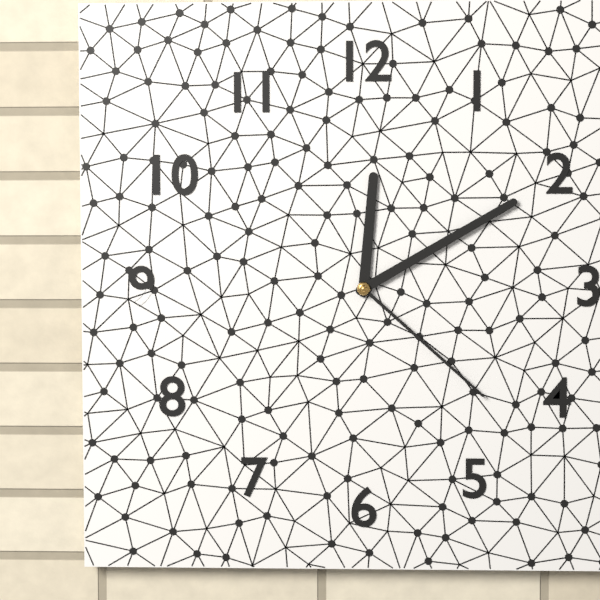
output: h=12 m=10 s=22
